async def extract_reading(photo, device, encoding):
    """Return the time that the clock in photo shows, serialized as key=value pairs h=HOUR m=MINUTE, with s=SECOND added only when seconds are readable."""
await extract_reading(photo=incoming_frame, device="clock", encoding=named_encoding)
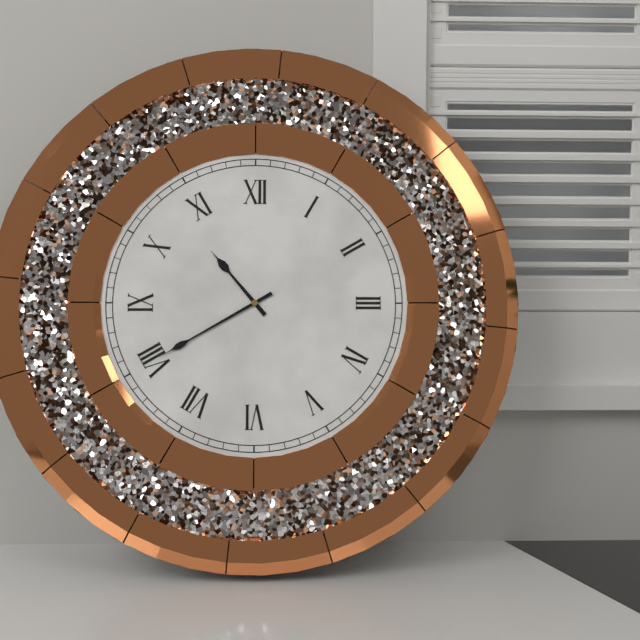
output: h=10 m=40
